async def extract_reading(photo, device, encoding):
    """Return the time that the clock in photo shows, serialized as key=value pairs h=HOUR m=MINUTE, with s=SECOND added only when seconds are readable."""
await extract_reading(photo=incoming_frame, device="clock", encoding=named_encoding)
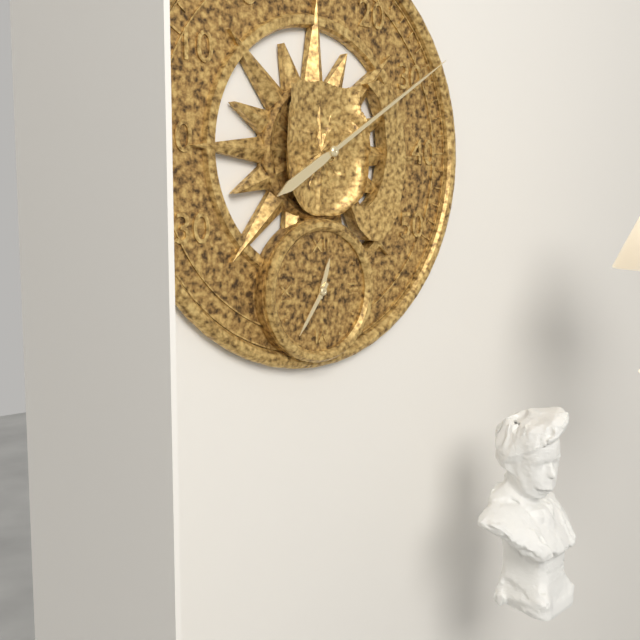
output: h=12 m=36
